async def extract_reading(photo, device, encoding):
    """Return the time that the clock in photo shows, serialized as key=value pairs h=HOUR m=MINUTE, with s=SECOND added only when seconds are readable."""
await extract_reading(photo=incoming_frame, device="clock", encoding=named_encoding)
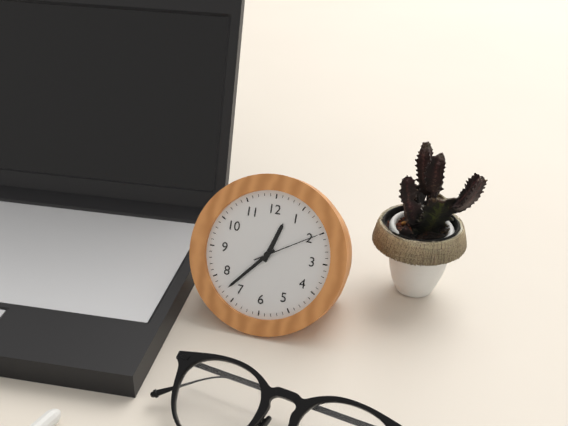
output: h=12 m=37 s=10
